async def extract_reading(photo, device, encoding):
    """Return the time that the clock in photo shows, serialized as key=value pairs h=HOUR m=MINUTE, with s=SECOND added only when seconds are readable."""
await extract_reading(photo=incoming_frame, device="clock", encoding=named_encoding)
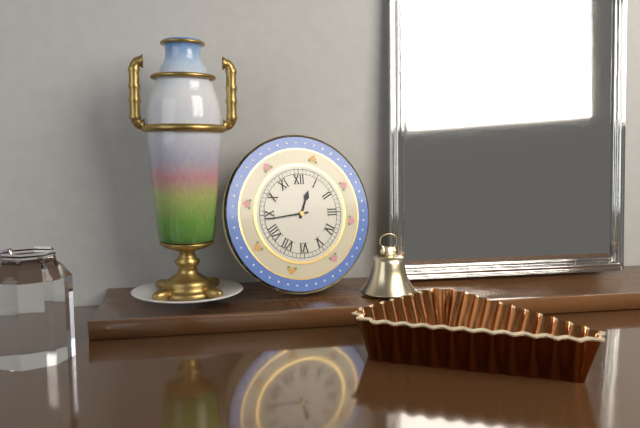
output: h=12 m=44
